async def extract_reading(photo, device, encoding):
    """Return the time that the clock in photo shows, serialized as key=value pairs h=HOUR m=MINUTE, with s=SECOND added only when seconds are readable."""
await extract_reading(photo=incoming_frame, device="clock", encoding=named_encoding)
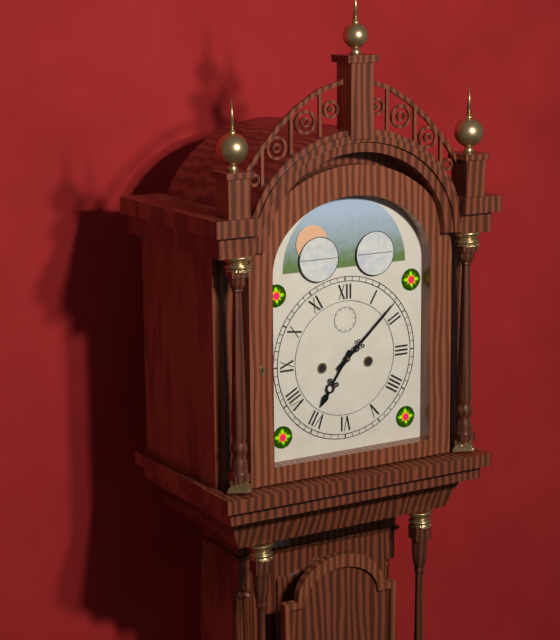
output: h=7 m=8
